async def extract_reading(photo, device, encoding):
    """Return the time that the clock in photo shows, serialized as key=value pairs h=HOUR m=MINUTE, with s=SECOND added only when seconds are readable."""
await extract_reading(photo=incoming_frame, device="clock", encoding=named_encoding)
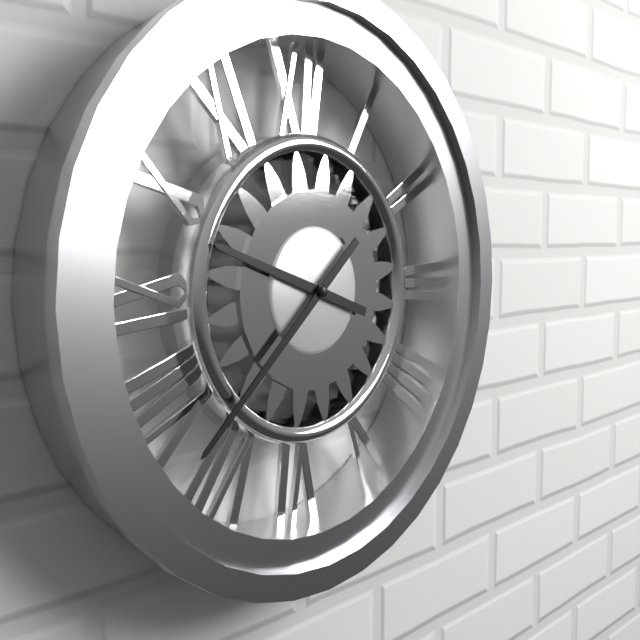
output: h=9 m=38
